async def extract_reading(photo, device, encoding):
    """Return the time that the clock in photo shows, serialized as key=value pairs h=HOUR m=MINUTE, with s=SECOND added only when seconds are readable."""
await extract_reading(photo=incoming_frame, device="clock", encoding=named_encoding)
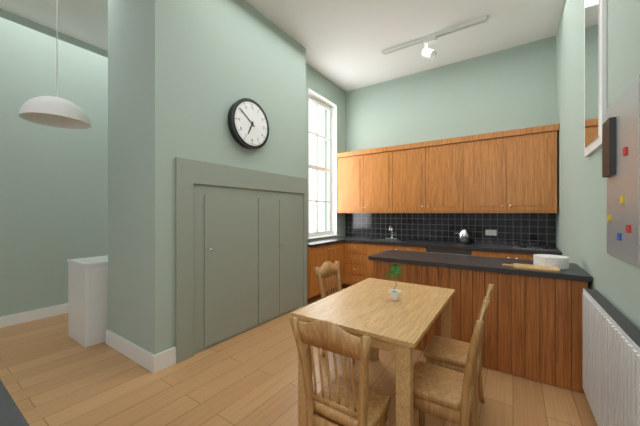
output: h=6 m=51
